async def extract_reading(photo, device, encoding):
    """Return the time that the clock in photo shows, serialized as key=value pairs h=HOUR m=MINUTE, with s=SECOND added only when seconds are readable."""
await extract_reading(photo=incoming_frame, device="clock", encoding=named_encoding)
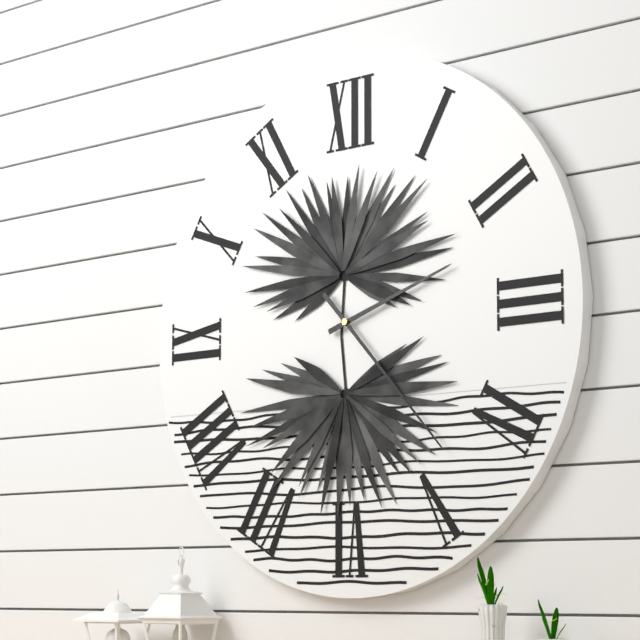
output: h=2 m=23
